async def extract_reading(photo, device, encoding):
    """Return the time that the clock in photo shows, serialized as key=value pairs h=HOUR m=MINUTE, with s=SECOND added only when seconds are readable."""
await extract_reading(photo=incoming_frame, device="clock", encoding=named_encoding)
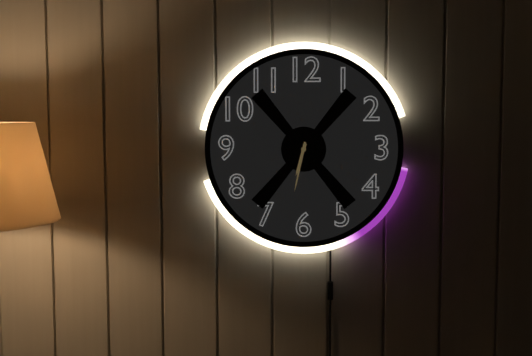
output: h=6 m=32
